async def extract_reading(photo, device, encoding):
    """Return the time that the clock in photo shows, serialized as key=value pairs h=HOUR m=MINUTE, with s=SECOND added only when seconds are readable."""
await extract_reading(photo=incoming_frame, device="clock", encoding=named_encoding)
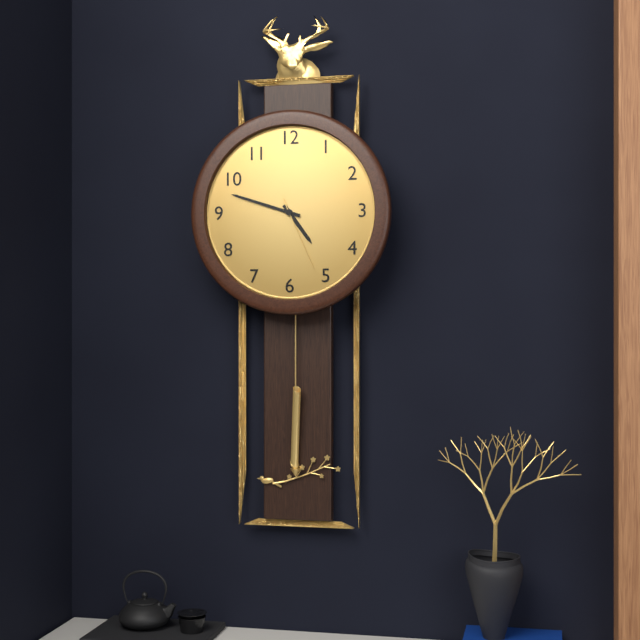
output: h=4 m=48 s=26
